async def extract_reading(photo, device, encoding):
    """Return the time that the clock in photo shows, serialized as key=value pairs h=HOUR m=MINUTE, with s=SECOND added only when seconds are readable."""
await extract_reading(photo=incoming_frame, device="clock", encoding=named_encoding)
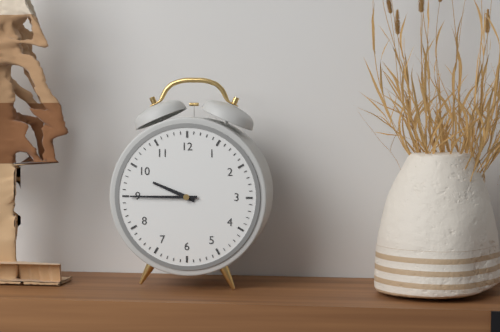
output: h=9 m=45
